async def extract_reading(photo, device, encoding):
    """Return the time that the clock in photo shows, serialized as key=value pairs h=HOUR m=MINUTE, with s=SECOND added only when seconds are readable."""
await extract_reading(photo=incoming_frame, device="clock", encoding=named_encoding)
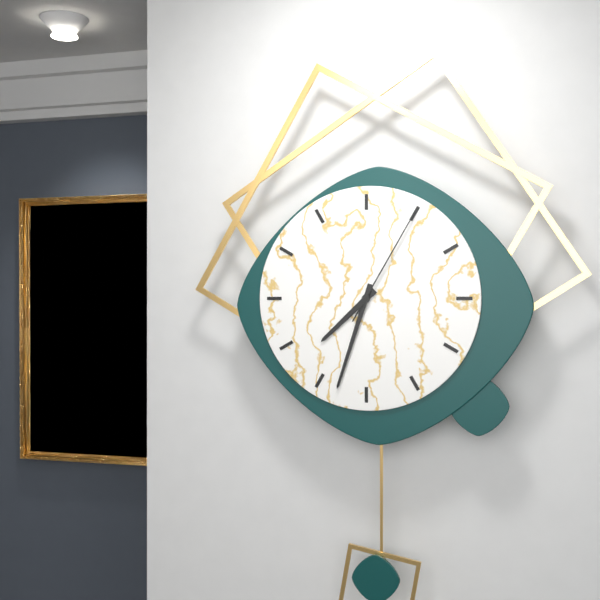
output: h=7 m=33 s=5
